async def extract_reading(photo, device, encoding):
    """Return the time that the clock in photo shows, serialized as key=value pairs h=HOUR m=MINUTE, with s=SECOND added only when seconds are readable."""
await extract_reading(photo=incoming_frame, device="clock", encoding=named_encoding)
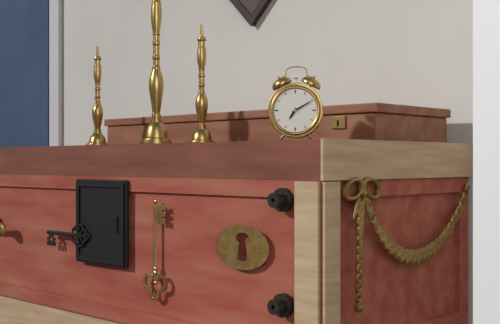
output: h=7 m=10
